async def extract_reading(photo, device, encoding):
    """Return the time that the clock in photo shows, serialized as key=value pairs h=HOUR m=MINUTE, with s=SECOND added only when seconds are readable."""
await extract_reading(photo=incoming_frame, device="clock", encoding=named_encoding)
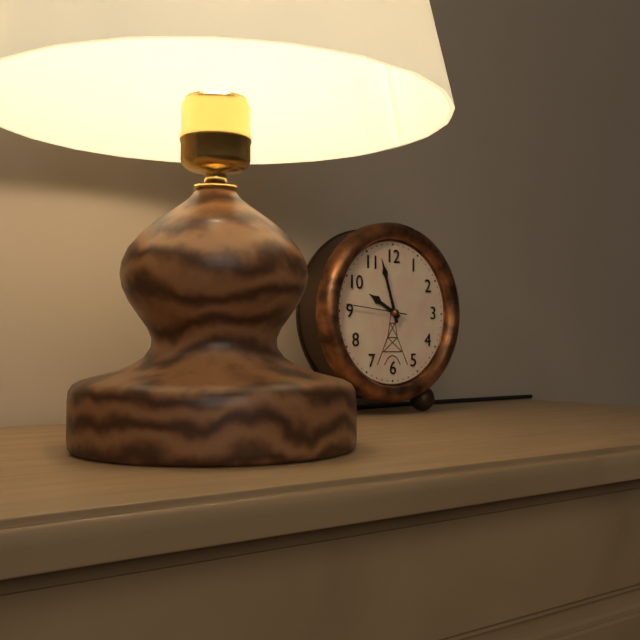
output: h=9 m=57 s=46
